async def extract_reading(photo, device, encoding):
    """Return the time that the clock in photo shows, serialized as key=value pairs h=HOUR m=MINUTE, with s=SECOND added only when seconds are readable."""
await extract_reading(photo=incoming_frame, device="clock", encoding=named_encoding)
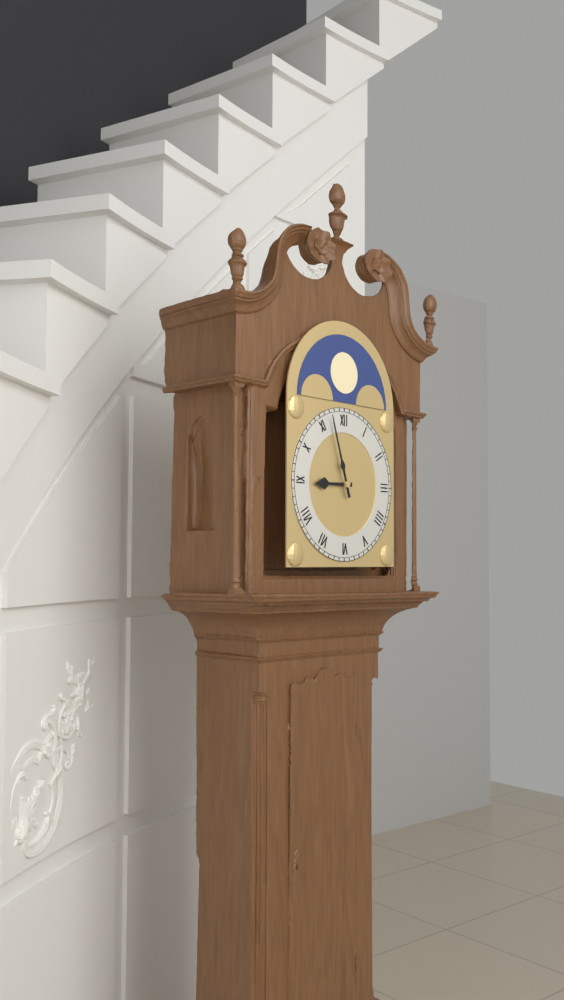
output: h=8 m=57
